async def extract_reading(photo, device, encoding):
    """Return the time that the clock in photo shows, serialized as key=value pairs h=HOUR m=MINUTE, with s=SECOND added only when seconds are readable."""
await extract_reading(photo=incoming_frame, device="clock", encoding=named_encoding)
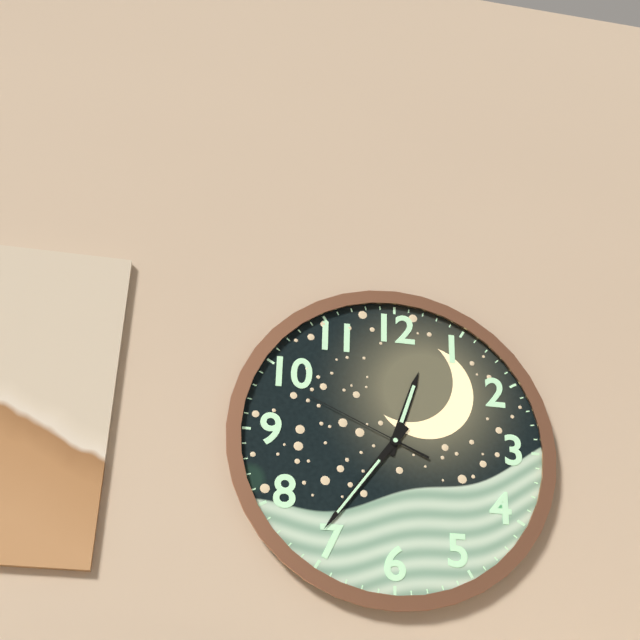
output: h=12 m=36 s=49
